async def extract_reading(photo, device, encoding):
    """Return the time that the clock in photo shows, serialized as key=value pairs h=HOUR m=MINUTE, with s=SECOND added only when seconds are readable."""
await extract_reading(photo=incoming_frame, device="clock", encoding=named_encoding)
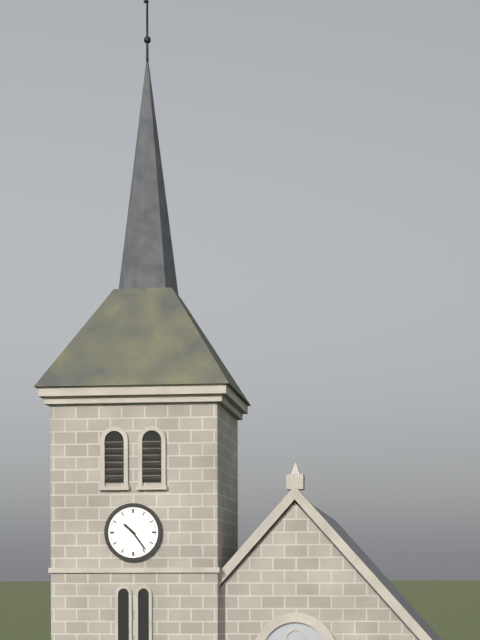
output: h=10 m=24
